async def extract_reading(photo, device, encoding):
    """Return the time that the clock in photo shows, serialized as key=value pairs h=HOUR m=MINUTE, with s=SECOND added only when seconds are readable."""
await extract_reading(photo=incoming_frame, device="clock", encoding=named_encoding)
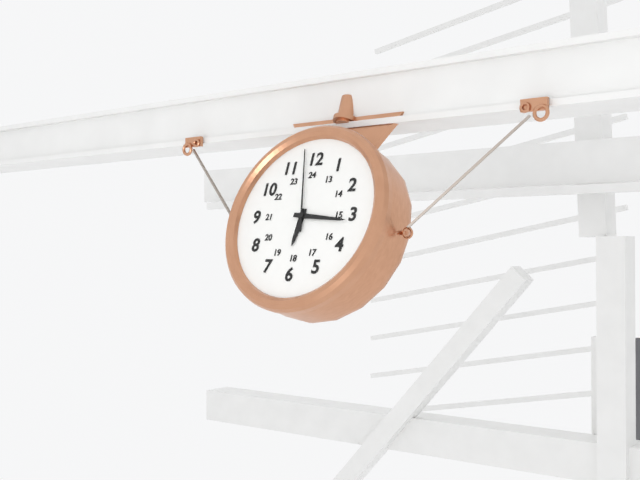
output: h=6 m=16 s=58
